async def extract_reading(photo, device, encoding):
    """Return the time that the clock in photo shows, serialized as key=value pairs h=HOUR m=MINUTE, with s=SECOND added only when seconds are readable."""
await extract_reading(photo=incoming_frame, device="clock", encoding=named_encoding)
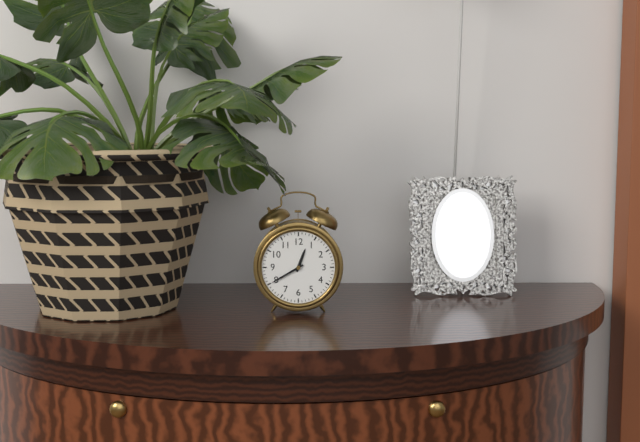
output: h=12 m=40
